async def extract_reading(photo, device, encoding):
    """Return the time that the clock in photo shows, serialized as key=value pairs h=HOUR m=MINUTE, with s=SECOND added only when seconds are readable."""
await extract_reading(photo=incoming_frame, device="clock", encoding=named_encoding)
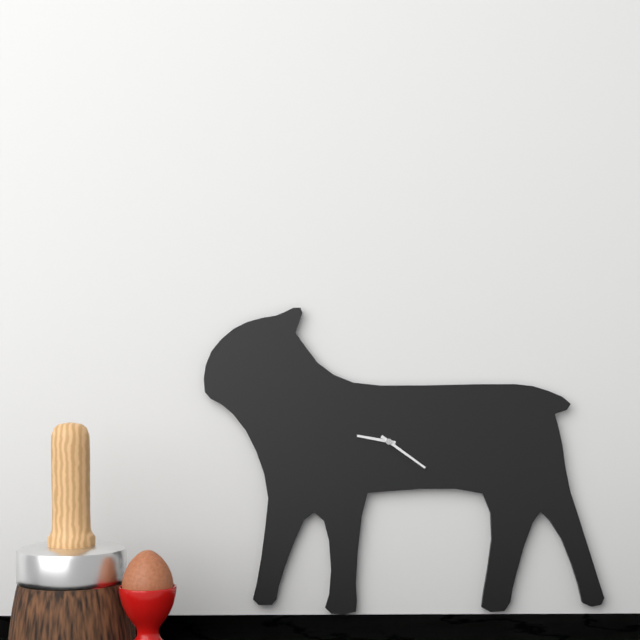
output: h=9 m=21
